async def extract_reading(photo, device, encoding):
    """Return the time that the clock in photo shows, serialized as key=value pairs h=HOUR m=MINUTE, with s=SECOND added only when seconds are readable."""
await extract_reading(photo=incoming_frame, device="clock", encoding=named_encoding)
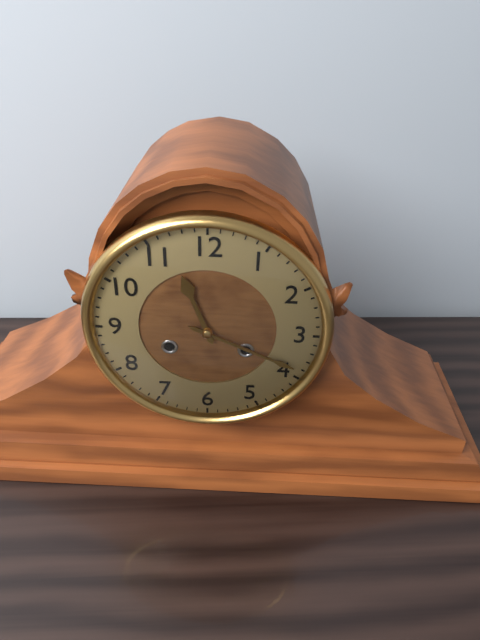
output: h=11 m=19
